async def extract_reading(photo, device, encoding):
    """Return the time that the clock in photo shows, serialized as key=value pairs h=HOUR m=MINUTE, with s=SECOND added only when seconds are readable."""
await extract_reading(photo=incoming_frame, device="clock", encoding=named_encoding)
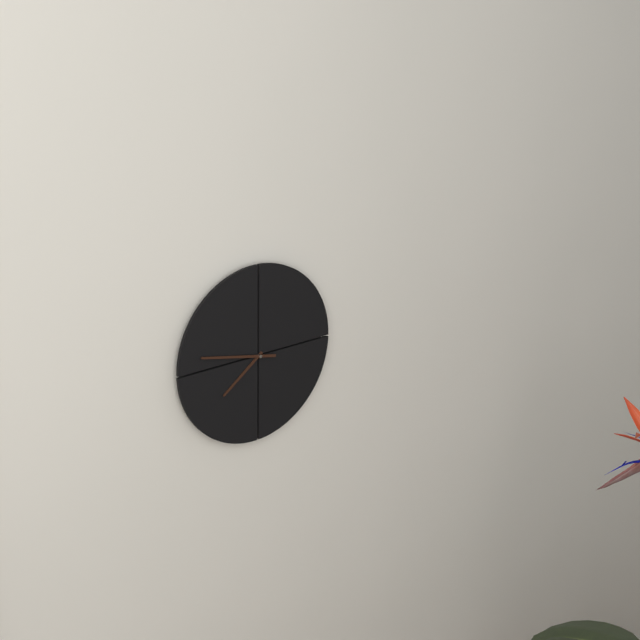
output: h=7 m=47
